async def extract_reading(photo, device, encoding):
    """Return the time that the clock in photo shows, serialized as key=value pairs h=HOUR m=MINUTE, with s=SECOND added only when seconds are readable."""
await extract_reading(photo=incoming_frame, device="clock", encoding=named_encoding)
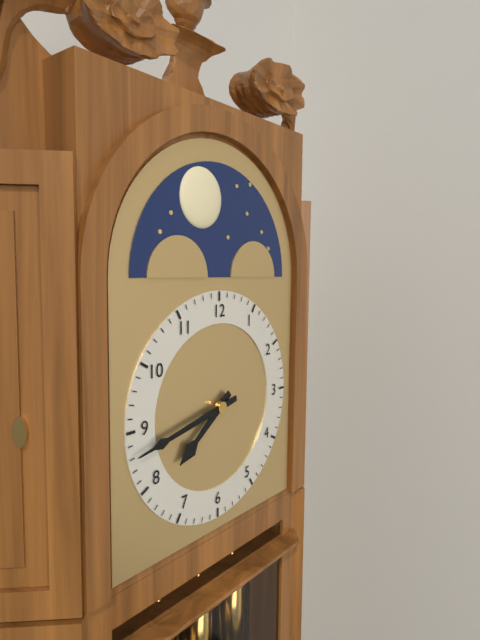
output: h=7 m=43
